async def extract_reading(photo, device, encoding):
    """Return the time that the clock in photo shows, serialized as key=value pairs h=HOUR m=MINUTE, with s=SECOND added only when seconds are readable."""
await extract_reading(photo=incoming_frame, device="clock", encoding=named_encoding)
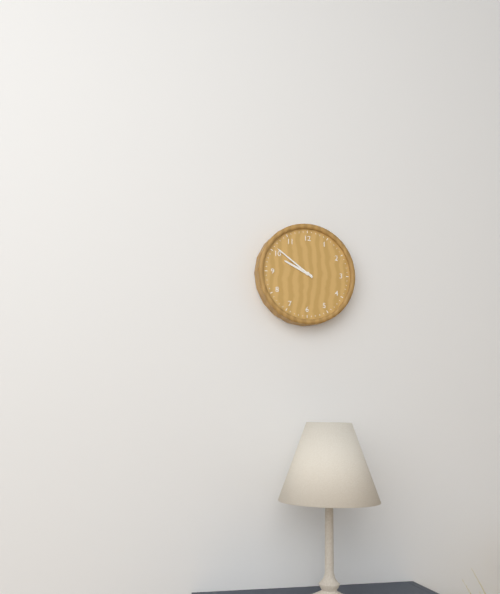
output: h=9 m=51
